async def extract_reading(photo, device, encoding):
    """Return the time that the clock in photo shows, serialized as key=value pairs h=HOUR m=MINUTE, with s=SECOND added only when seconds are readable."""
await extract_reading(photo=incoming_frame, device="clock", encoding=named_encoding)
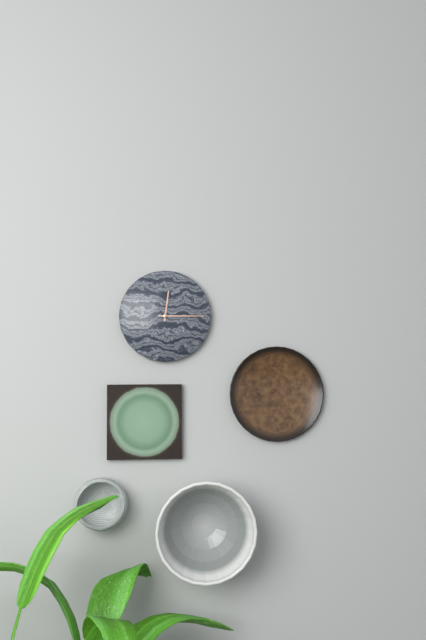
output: h=12 m=15
